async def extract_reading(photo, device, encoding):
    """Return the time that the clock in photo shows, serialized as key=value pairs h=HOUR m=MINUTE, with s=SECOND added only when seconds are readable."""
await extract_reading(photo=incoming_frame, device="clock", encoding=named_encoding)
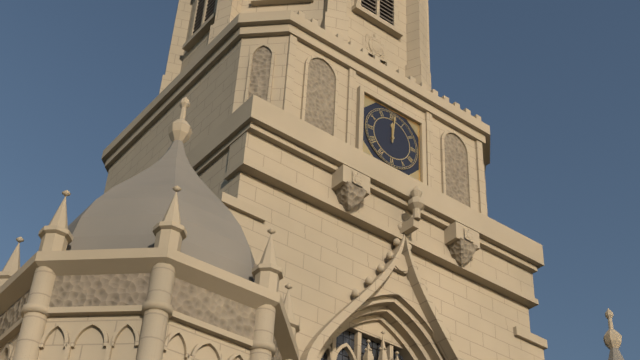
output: h=12 m=1
